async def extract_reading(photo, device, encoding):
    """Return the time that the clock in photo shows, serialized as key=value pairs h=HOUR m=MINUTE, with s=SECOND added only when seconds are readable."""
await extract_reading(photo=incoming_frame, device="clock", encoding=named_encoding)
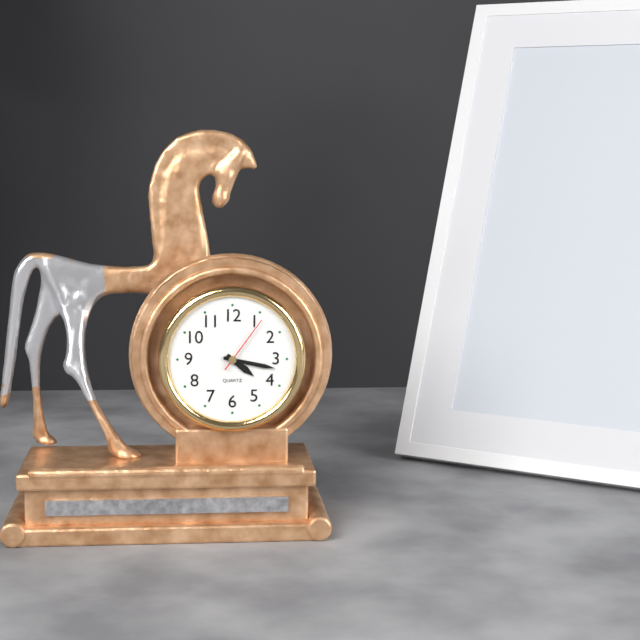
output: h=4 m=17 s=6
